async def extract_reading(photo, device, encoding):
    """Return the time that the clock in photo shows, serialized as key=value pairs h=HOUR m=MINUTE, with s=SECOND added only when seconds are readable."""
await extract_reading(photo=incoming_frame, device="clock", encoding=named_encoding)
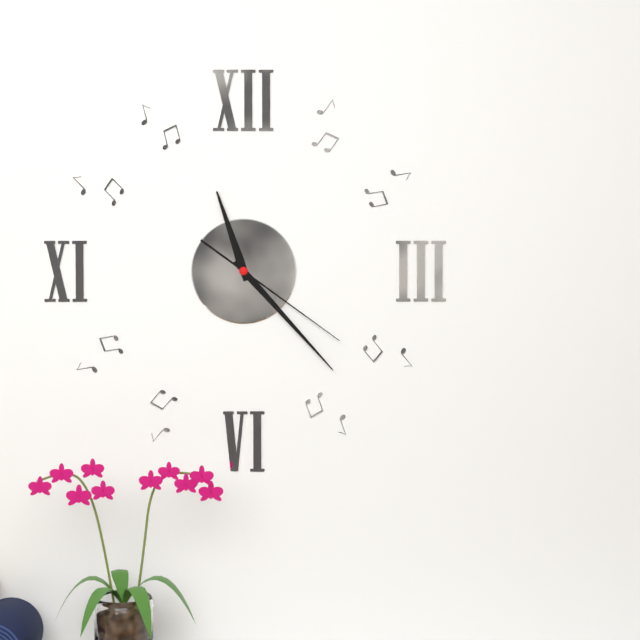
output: h=11 m=23 s=21
